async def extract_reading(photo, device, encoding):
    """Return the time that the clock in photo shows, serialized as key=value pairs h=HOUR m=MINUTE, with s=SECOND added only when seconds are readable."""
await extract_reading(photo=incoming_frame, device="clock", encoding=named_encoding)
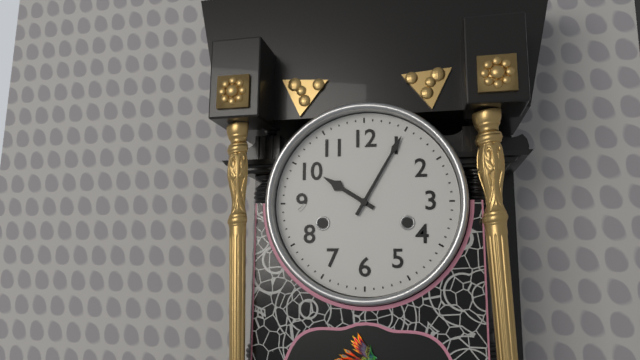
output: h=10 m=5
